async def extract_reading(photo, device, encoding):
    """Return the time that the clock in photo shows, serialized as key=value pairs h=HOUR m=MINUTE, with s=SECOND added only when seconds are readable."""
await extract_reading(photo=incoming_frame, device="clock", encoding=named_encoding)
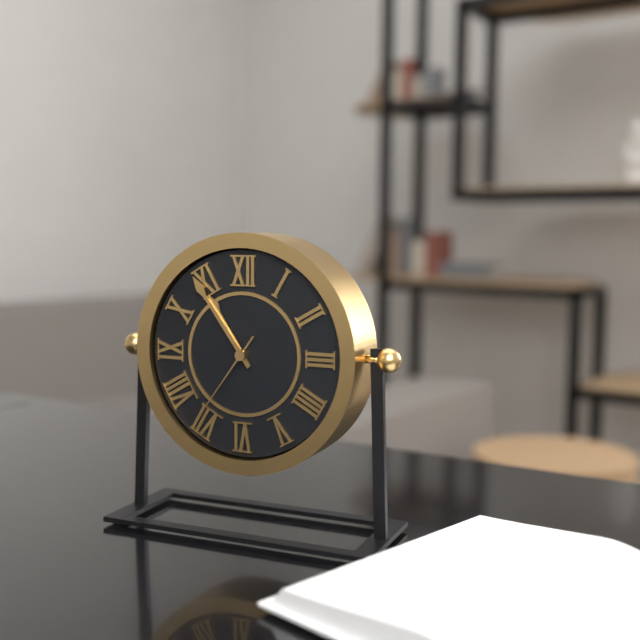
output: h=10 m=54 s=36
